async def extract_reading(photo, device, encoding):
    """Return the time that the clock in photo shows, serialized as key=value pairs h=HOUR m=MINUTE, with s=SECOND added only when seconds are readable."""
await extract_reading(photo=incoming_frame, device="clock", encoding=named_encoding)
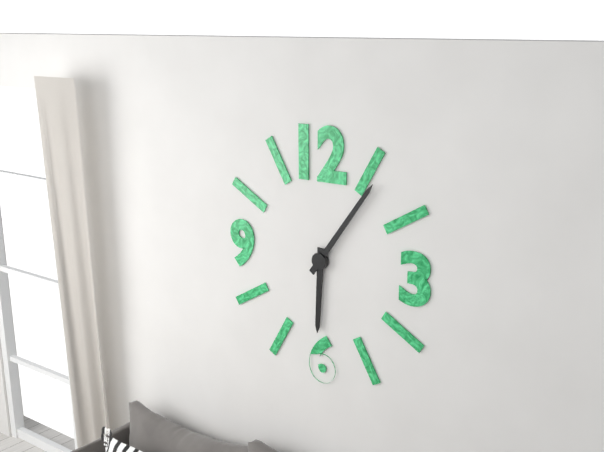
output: h=6 m=6
